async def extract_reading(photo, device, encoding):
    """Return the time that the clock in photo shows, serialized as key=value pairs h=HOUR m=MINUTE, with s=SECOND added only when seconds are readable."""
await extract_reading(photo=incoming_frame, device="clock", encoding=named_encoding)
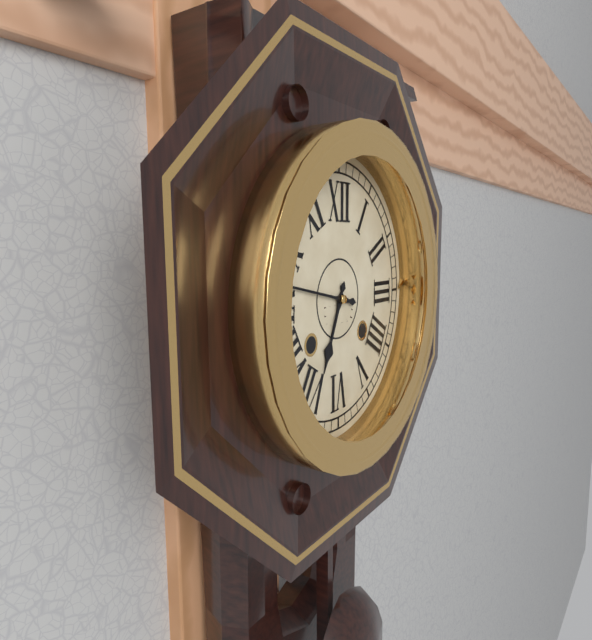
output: h=6 m=47
